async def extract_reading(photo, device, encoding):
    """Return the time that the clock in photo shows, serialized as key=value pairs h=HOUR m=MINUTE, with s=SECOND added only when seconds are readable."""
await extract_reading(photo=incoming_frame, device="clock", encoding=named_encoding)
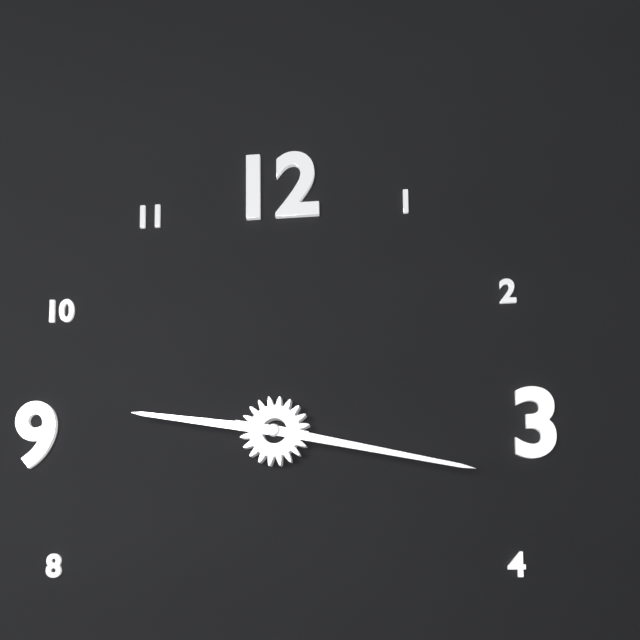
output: h=9 m=17
